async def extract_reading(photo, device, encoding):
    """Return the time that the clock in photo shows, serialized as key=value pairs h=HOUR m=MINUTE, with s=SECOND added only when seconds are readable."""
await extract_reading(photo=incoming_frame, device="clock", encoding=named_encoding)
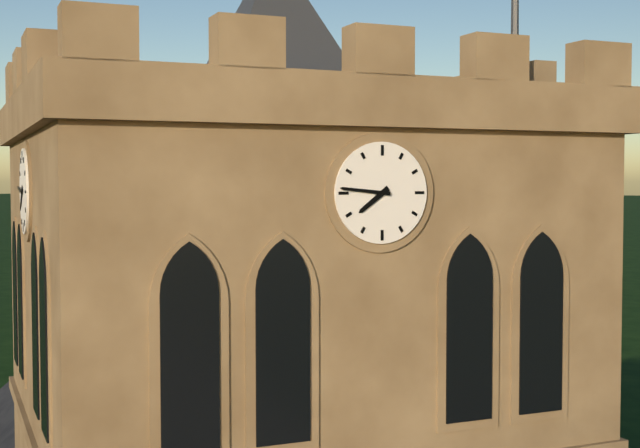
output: h=7 m=46
